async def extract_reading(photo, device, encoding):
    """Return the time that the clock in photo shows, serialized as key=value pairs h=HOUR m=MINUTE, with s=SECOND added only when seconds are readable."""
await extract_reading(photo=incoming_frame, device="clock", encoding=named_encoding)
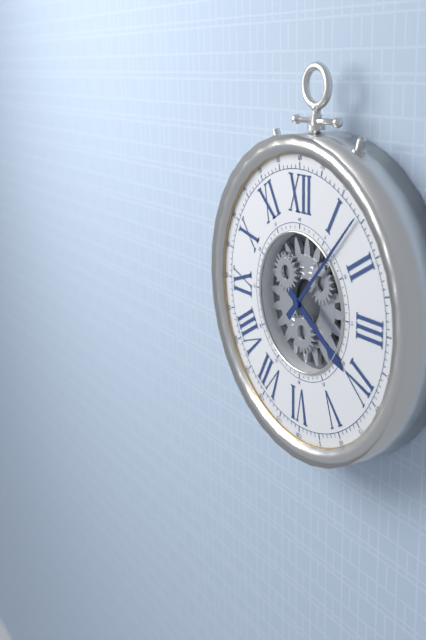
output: h=4 m=7
